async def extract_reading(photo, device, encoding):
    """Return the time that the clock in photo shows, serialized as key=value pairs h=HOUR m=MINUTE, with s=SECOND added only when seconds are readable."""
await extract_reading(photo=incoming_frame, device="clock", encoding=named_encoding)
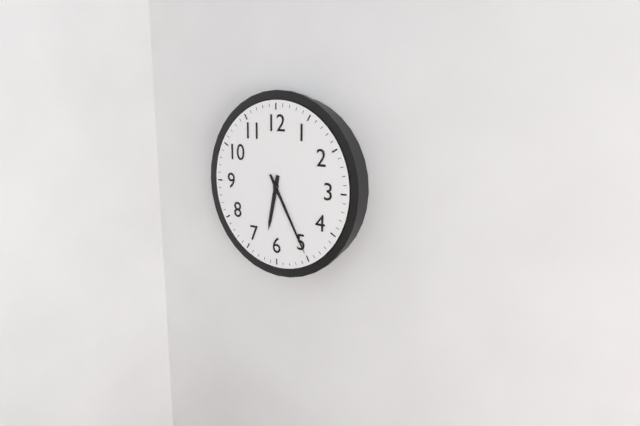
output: h=6 m=25
